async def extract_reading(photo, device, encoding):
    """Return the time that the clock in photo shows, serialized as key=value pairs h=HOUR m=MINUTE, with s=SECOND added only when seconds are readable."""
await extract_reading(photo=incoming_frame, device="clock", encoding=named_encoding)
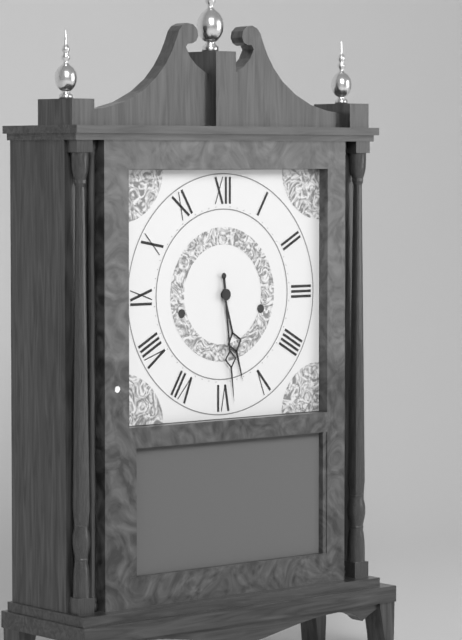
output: h=5 m=29
